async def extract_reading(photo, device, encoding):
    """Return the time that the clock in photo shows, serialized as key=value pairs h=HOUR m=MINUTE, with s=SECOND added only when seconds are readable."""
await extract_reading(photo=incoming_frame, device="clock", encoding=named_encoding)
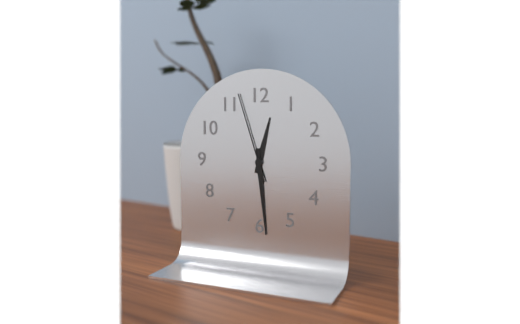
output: h=12 m=29 s=57
